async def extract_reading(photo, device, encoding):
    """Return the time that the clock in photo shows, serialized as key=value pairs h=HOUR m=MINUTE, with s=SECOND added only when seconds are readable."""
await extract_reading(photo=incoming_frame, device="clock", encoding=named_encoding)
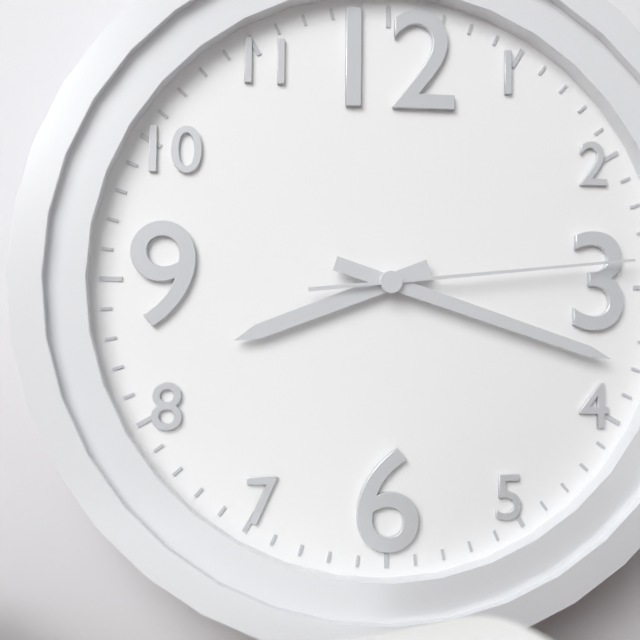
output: h=8 m=18 s=14
